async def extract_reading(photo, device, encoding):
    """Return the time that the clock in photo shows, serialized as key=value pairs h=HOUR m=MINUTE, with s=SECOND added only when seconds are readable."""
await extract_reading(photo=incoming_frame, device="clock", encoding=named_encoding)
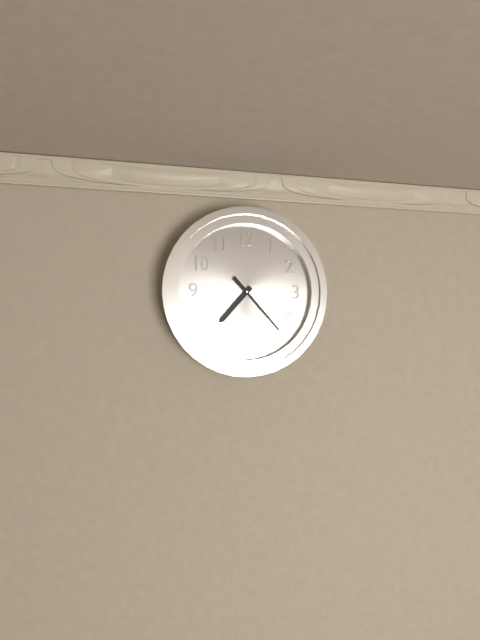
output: h=7 m=23
